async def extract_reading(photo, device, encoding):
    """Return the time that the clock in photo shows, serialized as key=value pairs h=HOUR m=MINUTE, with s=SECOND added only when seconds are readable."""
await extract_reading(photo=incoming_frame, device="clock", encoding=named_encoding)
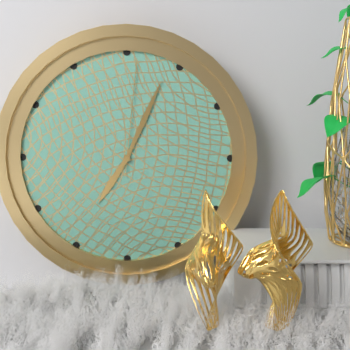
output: h=7 m=4 s=1
